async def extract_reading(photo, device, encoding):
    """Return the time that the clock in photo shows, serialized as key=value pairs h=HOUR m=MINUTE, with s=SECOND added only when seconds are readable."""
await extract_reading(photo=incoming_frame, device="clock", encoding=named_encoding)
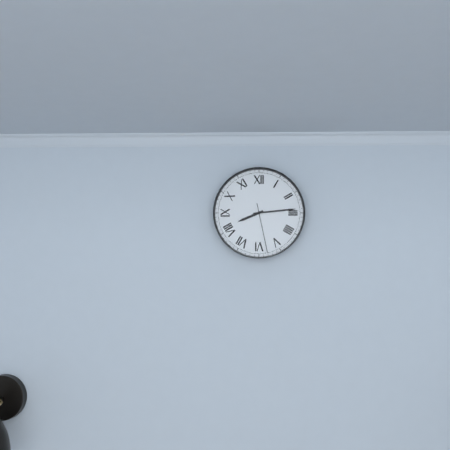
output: h=8 m=14 s=28
